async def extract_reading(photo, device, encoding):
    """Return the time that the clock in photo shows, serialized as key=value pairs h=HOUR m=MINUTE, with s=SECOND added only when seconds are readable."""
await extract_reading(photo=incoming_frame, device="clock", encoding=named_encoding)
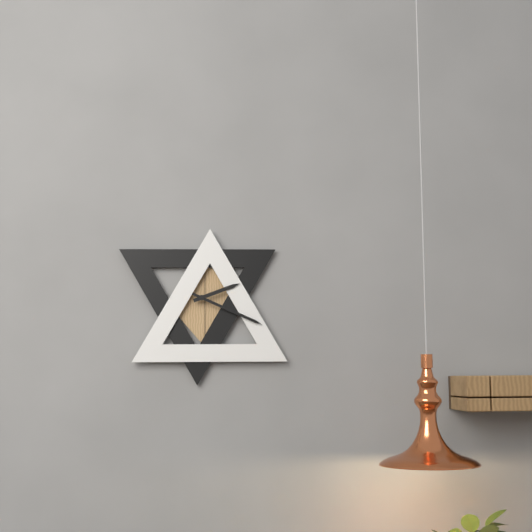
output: h=2 m=19
